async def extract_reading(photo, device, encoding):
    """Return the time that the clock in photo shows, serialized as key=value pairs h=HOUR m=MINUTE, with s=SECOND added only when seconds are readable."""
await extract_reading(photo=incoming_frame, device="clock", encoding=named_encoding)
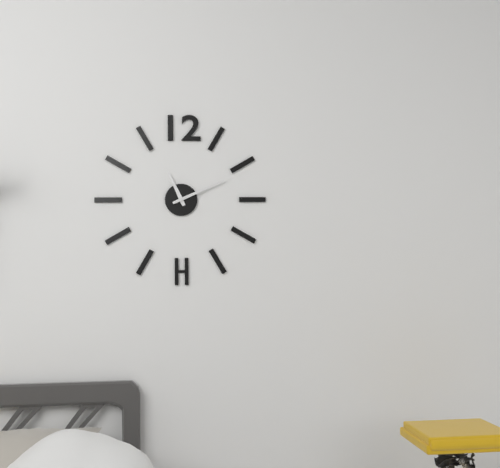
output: h=11 m=11
